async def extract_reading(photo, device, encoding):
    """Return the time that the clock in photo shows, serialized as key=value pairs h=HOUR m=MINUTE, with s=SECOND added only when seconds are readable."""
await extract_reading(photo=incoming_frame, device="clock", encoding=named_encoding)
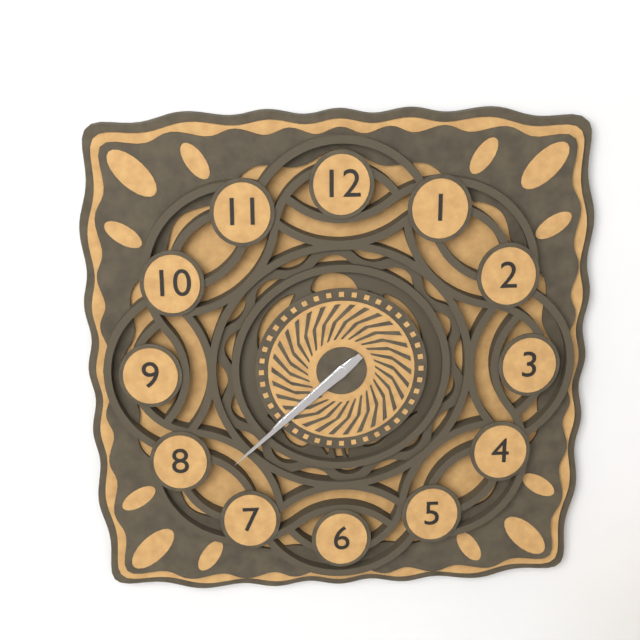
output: h=7 m=38
